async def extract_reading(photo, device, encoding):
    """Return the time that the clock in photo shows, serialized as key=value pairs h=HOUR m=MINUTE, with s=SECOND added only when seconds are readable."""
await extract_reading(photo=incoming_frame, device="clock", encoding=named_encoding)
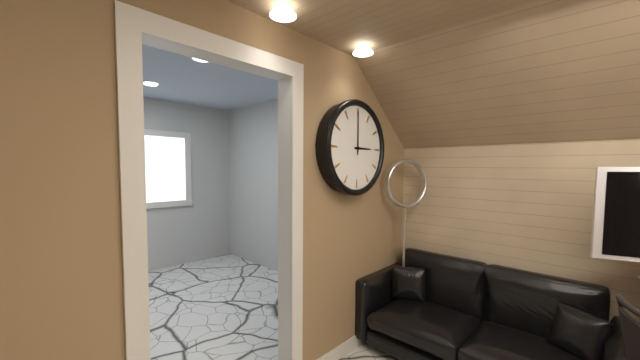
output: h=3 m=0
